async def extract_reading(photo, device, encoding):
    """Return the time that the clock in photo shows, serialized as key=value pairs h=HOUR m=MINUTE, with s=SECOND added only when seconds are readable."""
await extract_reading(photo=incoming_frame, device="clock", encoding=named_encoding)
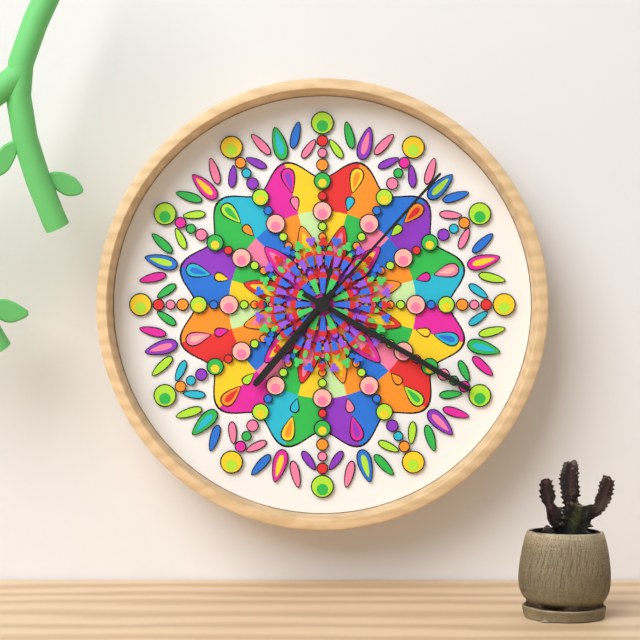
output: h=7 m=20 s=7
